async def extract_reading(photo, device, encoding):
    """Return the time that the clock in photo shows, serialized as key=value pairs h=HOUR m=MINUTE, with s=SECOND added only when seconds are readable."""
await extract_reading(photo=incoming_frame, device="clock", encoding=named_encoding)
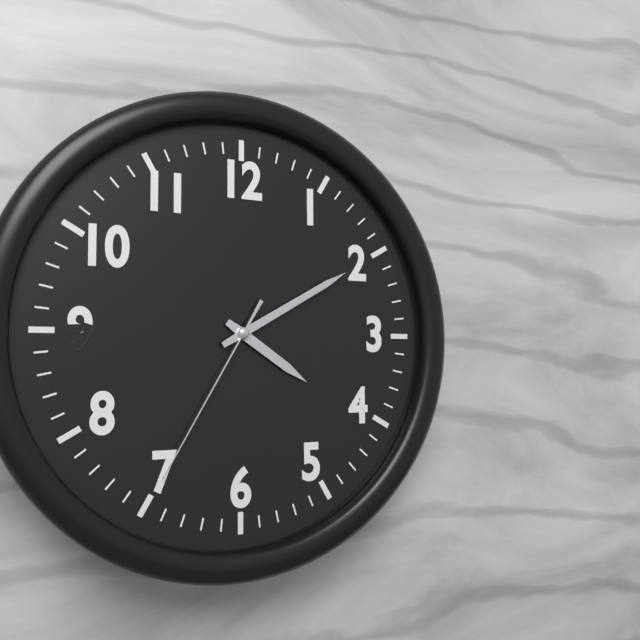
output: h=4 m=10 s=35
